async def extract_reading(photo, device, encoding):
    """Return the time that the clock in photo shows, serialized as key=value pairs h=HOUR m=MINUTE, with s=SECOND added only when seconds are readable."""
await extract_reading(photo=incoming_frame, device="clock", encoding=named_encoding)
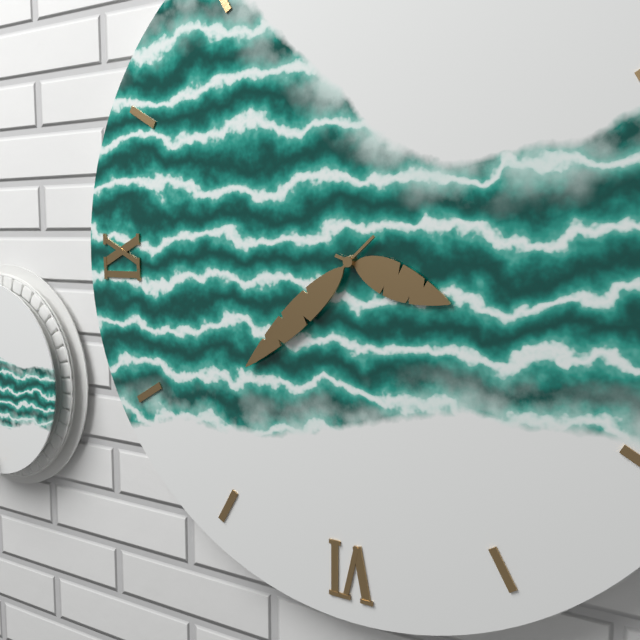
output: h=3 m=38
